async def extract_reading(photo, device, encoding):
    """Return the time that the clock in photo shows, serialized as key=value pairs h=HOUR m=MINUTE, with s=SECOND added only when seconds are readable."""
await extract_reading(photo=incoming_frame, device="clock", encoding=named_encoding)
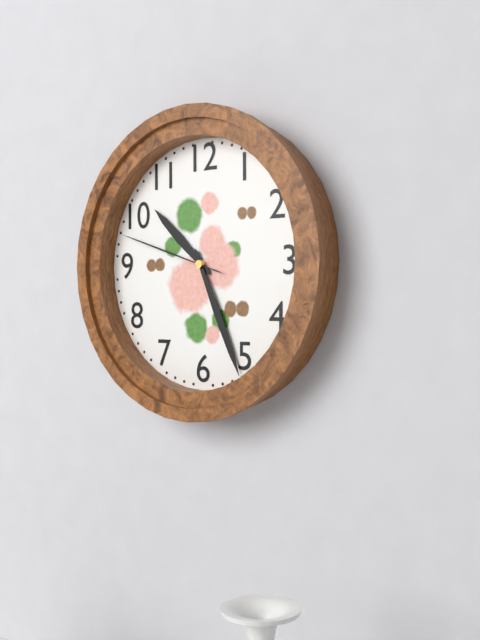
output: h=10 m=26 s=48
